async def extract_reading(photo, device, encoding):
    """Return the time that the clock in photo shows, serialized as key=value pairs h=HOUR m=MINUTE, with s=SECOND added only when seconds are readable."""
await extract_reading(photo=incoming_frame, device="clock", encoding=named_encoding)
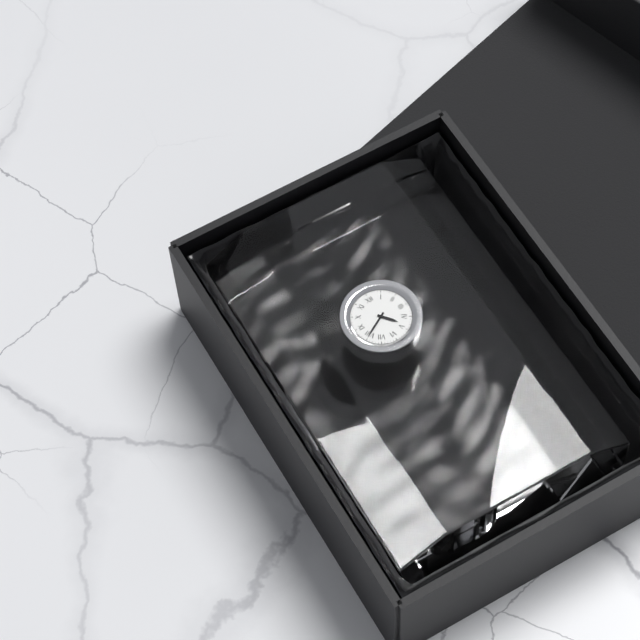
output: h=4 m=40
